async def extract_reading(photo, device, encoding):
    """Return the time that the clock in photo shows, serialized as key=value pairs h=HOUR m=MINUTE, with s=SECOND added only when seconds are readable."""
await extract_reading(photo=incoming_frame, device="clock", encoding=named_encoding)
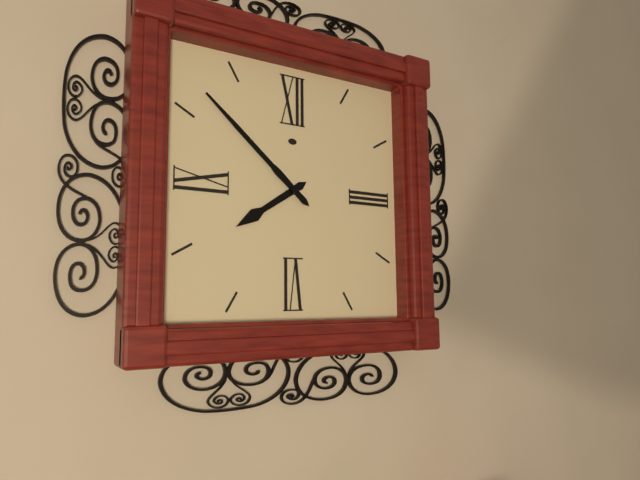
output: h=7 m=52
